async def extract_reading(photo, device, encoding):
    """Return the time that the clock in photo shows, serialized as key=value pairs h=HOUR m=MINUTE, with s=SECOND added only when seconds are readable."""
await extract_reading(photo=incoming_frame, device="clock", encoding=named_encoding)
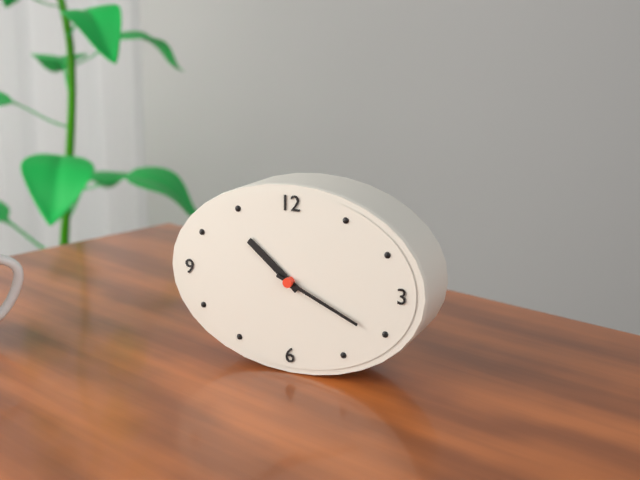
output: h=10 m=19
